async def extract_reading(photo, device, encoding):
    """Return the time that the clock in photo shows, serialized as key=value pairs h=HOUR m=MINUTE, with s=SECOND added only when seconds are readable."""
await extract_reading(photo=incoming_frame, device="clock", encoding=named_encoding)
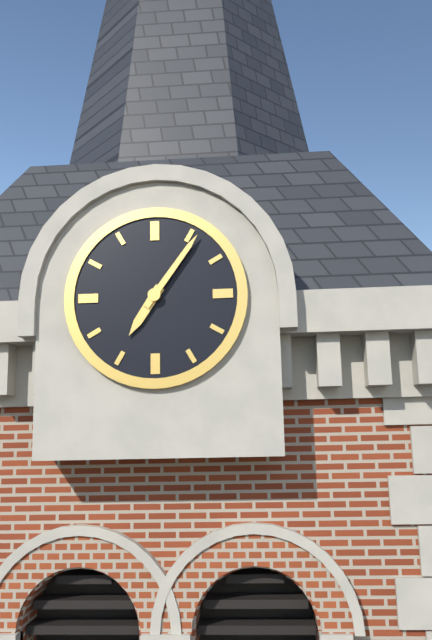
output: h=7 m=6
